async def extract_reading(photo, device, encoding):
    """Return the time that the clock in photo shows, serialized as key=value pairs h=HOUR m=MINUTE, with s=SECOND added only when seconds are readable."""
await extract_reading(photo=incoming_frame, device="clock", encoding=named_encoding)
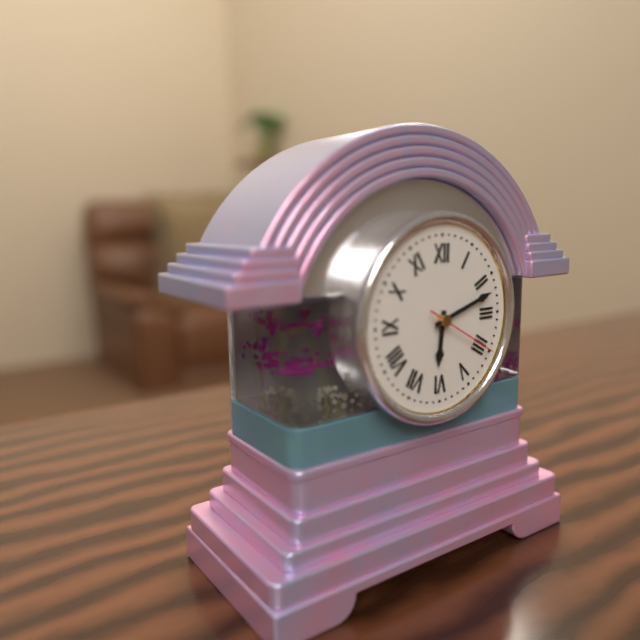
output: h=6 m=12 s=20
